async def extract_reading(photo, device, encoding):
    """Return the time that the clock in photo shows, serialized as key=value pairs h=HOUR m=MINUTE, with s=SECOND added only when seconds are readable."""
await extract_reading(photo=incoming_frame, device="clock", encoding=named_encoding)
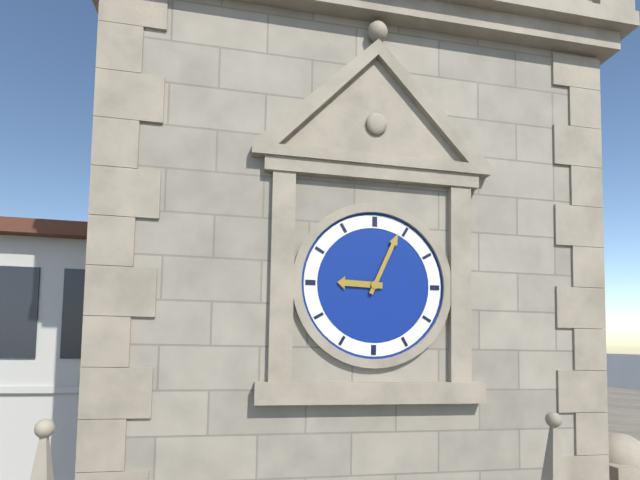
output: h=9 m=4
